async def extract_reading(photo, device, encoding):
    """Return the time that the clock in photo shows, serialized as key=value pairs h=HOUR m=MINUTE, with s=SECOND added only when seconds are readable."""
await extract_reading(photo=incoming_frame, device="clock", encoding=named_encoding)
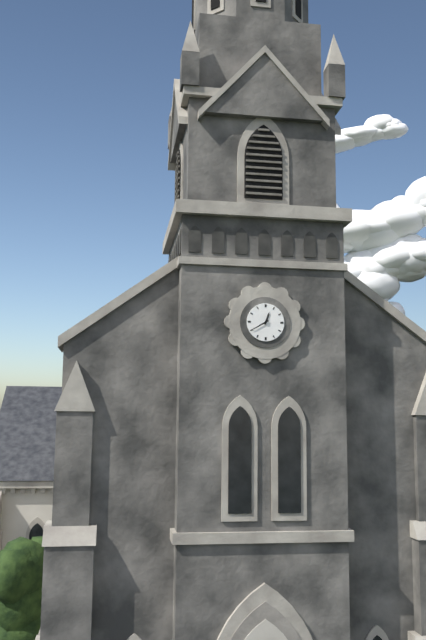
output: h=12 m=40
